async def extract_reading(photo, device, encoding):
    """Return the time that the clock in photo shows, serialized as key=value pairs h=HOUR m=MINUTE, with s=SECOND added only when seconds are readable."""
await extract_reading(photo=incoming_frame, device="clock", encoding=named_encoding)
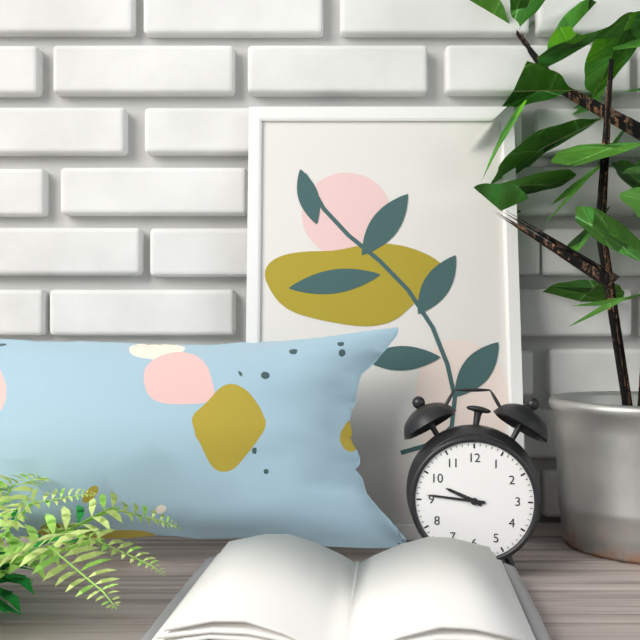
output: h=9 m=46
